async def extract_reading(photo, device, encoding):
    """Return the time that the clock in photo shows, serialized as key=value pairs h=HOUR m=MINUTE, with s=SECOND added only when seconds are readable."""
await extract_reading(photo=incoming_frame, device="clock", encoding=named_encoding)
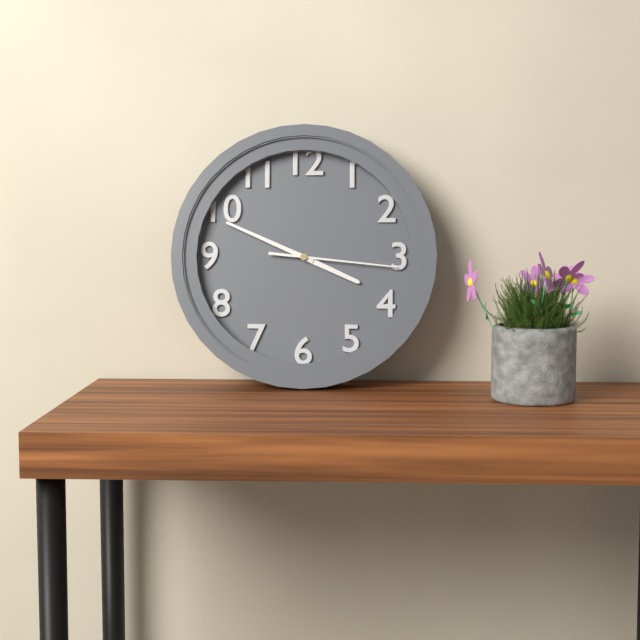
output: h=3 m=49 s=16
